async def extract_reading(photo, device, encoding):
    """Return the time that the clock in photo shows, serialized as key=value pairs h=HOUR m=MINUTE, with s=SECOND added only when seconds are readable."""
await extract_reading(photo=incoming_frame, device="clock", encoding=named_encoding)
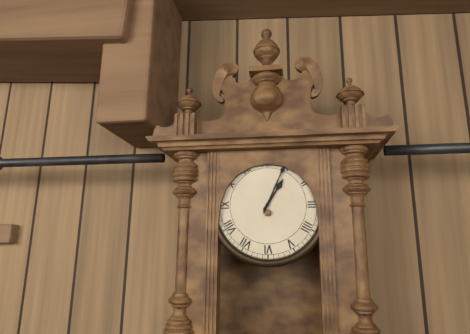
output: h=1 m=4
